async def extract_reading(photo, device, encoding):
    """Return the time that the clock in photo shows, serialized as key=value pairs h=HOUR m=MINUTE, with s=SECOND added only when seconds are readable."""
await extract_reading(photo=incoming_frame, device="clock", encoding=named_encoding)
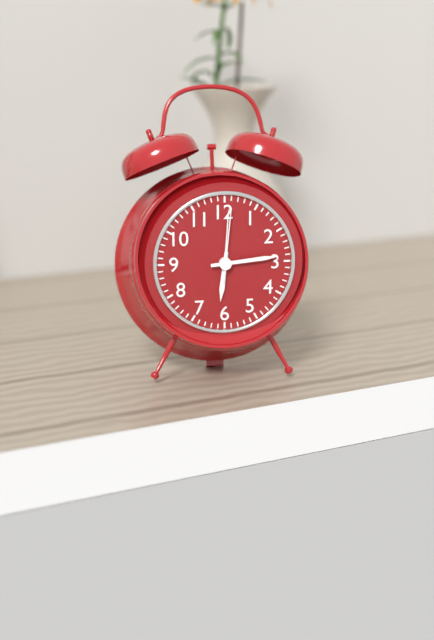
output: h=6 m=14 s=1
